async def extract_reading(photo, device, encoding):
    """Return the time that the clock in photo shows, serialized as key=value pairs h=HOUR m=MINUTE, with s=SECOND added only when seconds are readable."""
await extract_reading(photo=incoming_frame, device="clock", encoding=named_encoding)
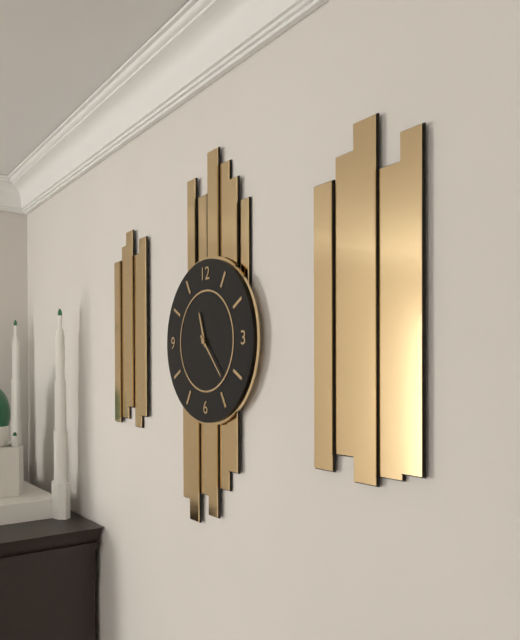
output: h=11 m=23
